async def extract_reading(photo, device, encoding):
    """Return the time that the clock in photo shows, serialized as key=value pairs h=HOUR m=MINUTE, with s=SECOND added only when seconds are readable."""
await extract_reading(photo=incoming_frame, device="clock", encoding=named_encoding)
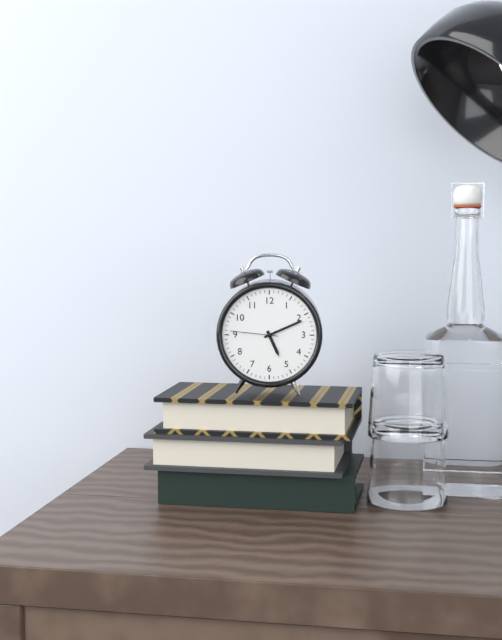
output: h=5 m=11 s=46
